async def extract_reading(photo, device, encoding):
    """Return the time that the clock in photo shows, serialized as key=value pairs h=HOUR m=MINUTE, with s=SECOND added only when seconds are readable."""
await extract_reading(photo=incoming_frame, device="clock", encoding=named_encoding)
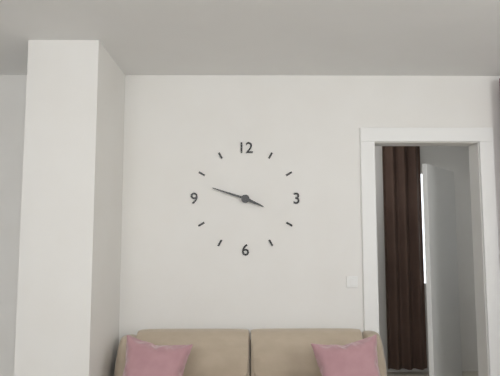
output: h=3 m=48
